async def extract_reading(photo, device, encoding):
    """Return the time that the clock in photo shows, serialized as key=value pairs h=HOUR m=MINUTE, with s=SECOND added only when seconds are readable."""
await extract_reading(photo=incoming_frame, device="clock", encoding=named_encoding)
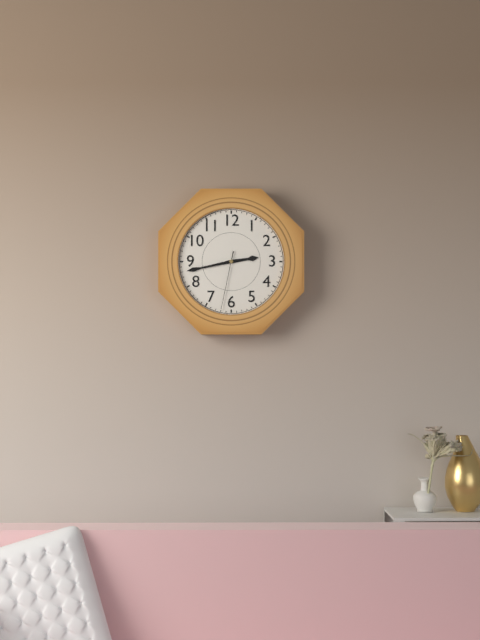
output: h=2 m=43 s=32
